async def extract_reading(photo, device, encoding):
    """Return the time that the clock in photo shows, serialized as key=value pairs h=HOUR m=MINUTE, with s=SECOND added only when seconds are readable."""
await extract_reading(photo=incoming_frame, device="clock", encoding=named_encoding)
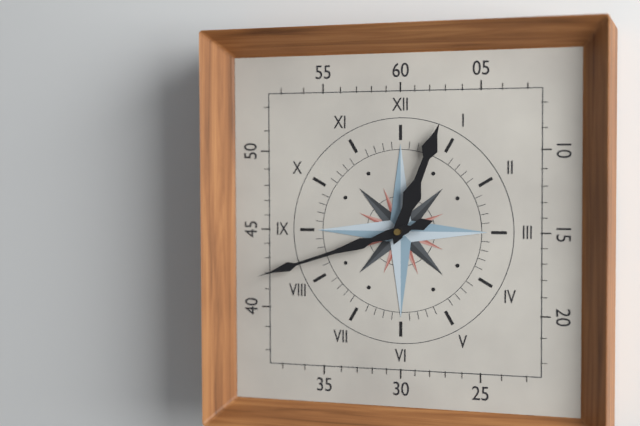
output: h=12 m=42
